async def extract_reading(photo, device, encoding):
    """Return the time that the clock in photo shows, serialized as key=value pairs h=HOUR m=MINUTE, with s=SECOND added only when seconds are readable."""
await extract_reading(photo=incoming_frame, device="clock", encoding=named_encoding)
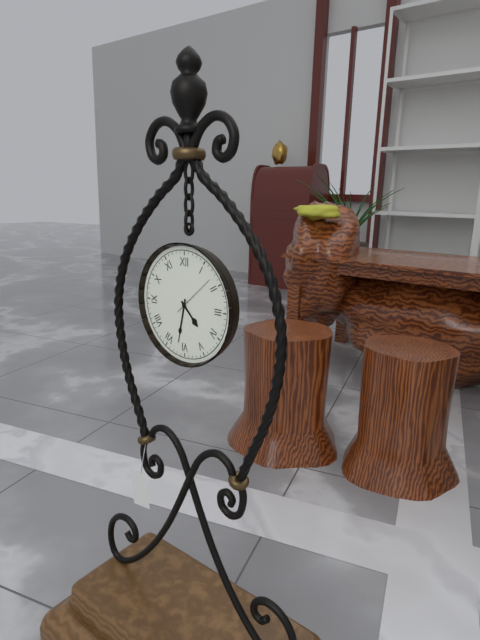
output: h=4 m=32
